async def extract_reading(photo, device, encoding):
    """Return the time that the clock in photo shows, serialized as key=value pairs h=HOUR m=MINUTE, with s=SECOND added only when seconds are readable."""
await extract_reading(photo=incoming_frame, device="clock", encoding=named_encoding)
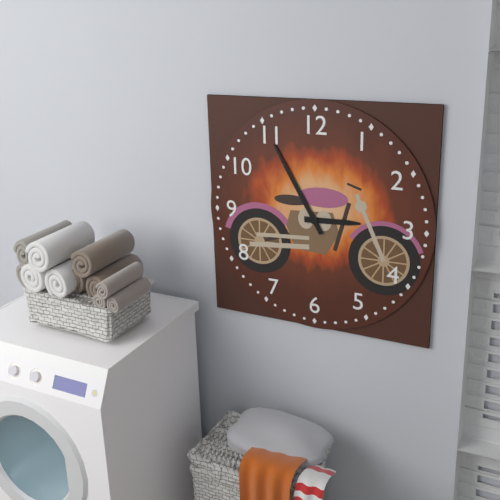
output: h=2 m=55
